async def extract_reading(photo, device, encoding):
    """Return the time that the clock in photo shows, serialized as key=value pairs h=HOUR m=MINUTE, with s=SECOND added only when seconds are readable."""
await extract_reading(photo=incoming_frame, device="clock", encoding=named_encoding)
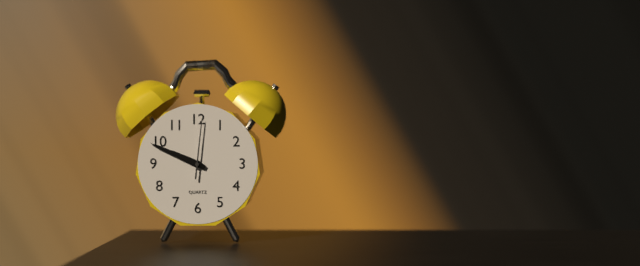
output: h=9 m=49 s=1
